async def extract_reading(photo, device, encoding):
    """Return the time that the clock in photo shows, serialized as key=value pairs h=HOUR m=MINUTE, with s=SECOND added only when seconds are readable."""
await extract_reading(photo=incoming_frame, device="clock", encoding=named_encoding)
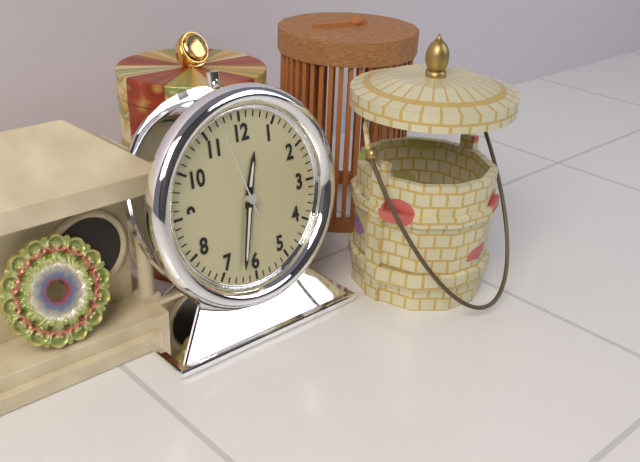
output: h=12 m=32 s=57
